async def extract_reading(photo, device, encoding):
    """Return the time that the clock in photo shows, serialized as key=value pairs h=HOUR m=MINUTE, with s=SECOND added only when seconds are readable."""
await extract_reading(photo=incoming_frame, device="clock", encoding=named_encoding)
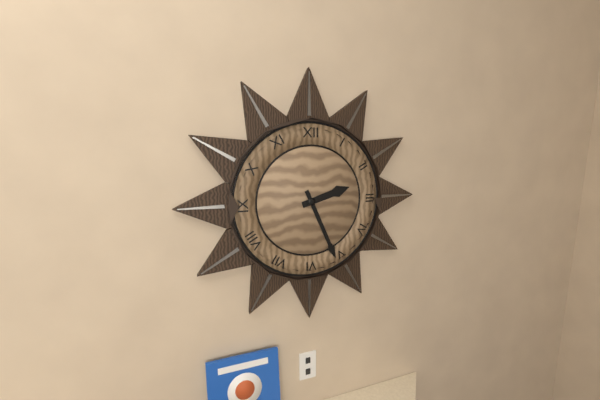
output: h=2 m=26
